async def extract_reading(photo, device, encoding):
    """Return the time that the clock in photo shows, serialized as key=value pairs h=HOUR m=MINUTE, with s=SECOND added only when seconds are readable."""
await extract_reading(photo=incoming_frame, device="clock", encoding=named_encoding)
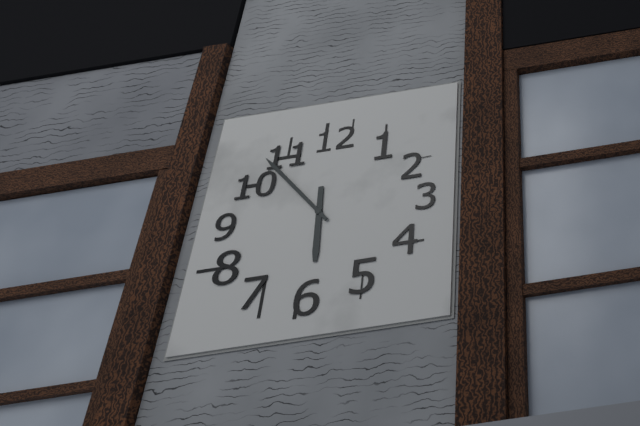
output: h=5 m=53
